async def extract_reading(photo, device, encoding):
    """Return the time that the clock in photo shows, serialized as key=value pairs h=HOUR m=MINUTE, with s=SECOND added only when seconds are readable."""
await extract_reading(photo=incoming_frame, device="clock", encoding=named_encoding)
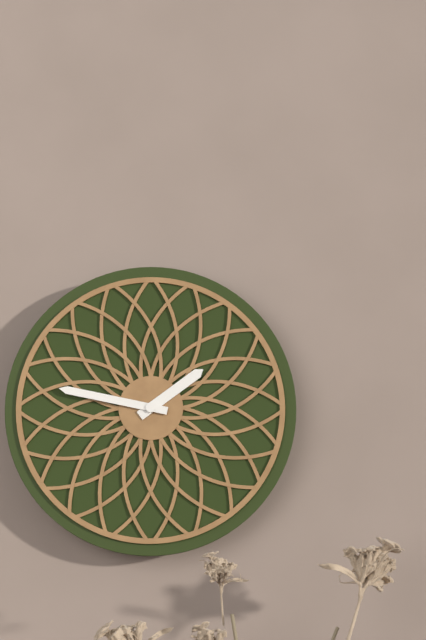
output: h=1 m=47
